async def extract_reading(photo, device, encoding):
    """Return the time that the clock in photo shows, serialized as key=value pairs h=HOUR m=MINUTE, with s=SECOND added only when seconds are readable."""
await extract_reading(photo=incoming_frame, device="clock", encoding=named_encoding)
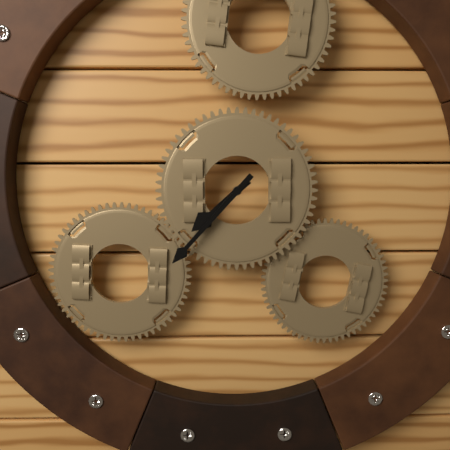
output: h=7 m=37
